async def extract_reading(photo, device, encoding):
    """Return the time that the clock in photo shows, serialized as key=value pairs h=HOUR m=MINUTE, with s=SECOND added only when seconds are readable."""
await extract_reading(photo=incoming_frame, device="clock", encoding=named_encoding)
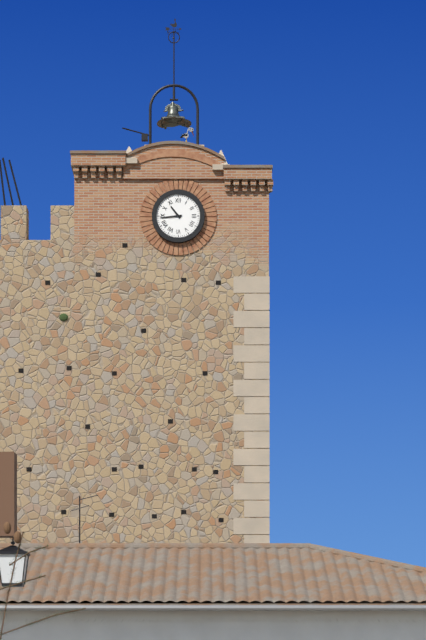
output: h=10 m=44
